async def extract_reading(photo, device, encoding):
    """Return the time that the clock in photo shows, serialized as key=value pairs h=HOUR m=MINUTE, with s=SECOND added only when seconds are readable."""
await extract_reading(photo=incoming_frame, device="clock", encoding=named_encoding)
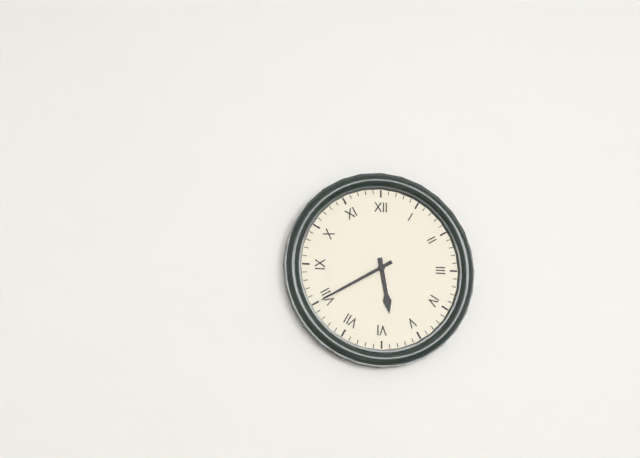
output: h=5 m=40
